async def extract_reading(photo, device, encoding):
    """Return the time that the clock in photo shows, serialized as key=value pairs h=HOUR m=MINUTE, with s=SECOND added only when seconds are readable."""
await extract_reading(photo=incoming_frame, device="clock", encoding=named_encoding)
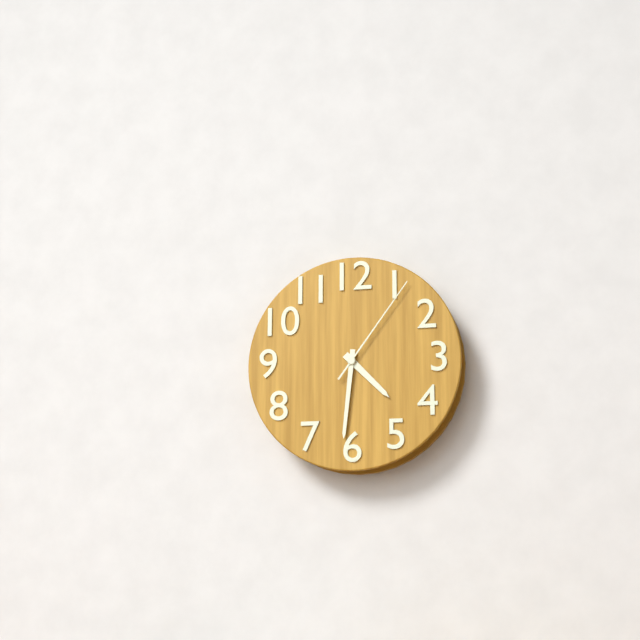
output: h=4 m=31 s=6
